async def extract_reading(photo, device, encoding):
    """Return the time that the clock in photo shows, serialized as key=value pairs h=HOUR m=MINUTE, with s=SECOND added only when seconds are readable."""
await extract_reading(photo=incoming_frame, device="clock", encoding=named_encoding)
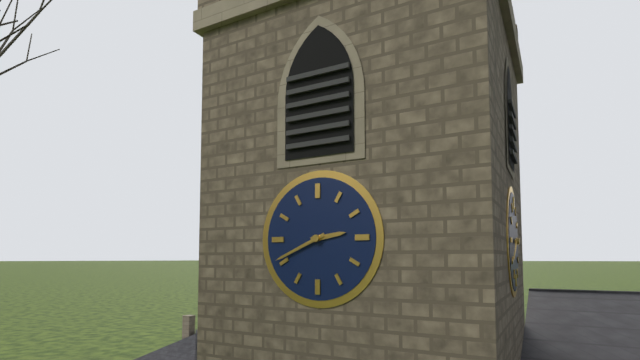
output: h=2 m=41
